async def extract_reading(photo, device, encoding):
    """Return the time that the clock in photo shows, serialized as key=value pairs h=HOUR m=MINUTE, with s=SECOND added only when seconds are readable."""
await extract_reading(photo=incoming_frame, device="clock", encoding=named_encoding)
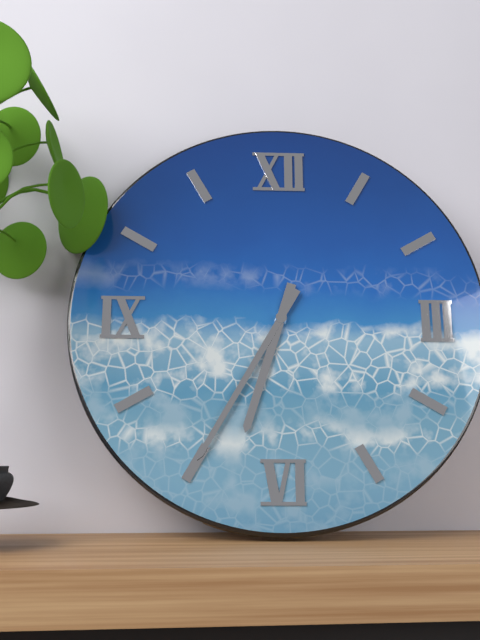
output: h=6 m=35
